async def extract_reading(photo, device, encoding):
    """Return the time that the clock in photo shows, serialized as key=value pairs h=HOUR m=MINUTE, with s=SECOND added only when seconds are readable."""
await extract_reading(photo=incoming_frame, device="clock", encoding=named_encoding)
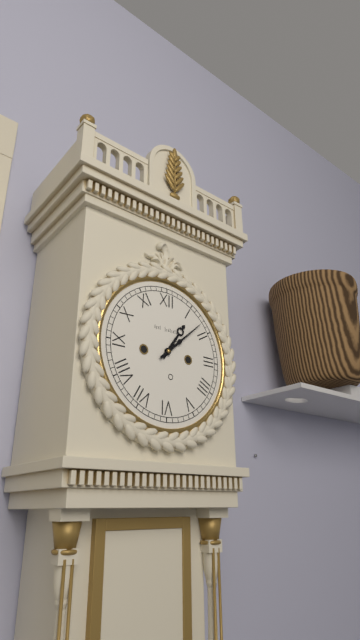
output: h=1 m=8
